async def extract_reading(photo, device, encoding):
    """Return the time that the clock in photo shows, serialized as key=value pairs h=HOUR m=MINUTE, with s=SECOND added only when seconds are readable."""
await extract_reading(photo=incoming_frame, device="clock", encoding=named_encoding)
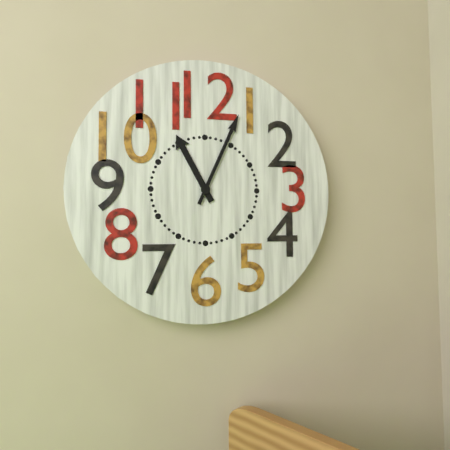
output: h=11 m=4
